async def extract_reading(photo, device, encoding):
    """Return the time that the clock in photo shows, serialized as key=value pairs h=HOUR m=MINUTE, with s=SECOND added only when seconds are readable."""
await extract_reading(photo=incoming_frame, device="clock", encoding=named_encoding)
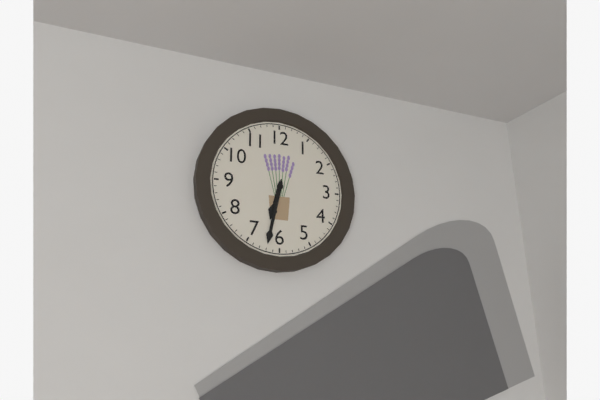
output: h=6 m=32
